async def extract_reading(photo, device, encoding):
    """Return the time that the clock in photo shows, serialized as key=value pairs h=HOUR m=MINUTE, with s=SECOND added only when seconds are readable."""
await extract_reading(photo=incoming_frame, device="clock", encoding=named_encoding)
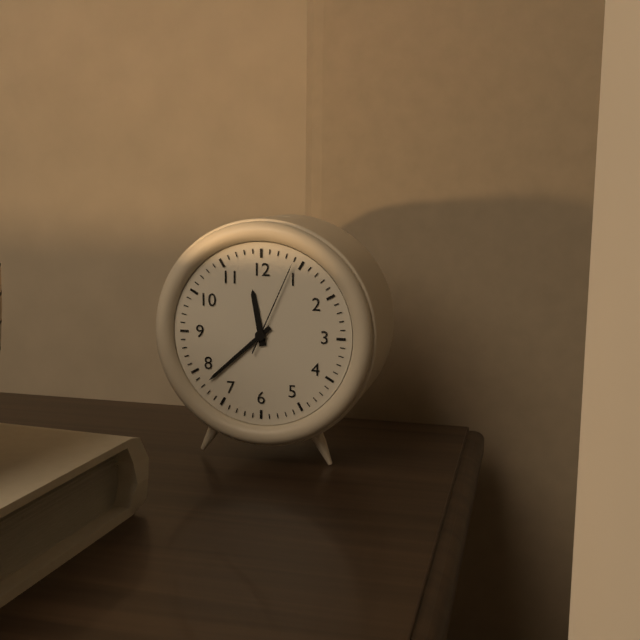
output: h=11 m=38 s=4
